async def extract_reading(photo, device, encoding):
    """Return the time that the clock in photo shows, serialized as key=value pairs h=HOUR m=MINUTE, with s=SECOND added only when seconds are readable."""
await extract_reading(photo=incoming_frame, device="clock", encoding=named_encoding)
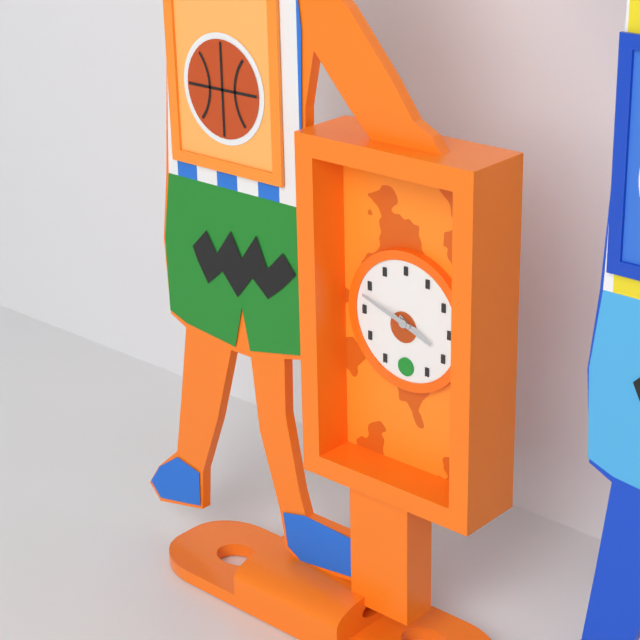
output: h=3 m=48
